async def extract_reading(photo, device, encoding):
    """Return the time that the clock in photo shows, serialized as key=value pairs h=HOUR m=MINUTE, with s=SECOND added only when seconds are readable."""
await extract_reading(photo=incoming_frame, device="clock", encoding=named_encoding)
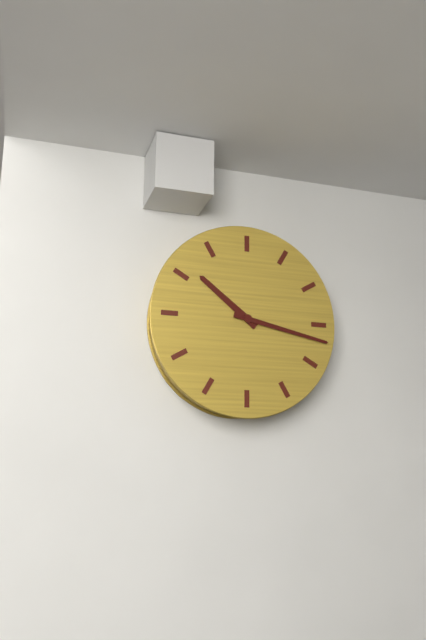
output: h=10 m=17
